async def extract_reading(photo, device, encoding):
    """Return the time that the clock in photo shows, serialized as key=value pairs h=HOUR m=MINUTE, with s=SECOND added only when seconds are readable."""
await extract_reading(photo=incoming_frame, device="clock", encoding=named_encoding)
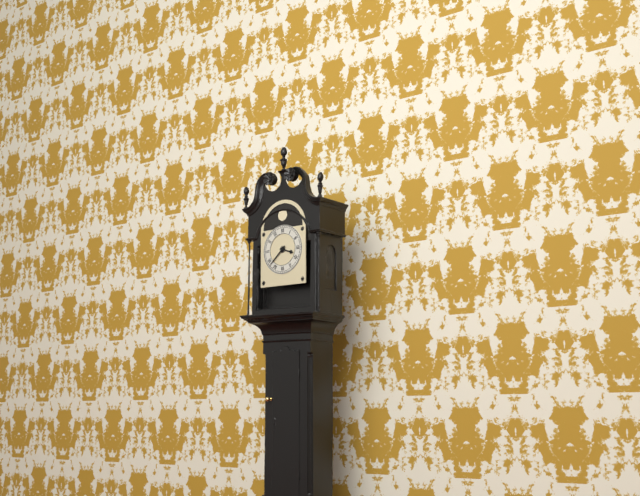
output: h=3 m=38
